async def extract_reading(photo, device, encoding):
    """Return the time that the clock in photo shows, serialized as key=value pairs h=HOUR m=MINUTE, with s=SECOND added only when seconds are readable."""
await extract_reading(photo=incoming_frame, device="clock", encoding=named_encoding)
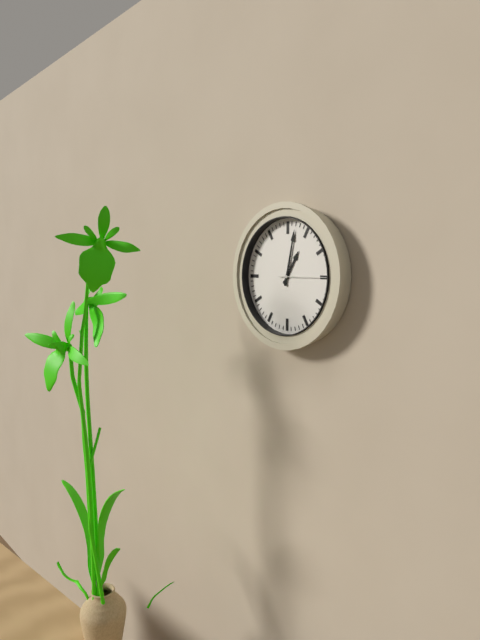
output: h=1 m=2 s=15
